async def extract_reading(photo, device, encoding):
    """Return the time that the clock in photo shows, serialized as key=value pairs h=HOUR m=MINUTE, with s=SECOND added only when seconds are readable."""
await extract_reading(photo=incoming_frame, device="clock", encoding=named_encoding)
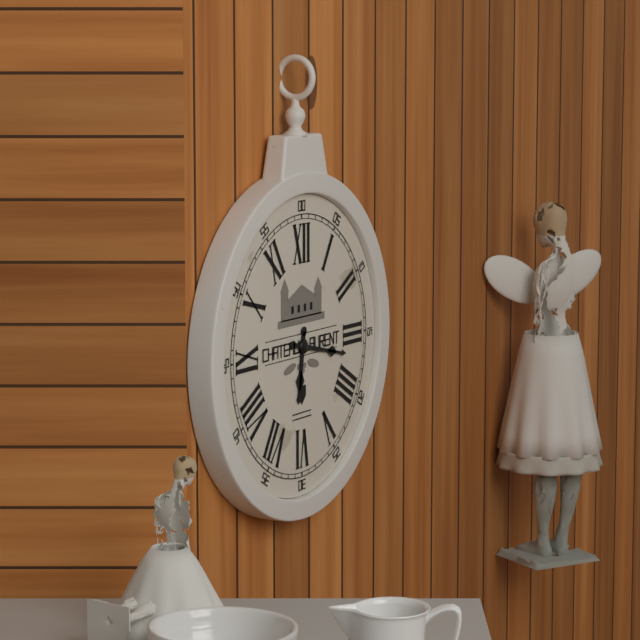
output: h=6 m=17
